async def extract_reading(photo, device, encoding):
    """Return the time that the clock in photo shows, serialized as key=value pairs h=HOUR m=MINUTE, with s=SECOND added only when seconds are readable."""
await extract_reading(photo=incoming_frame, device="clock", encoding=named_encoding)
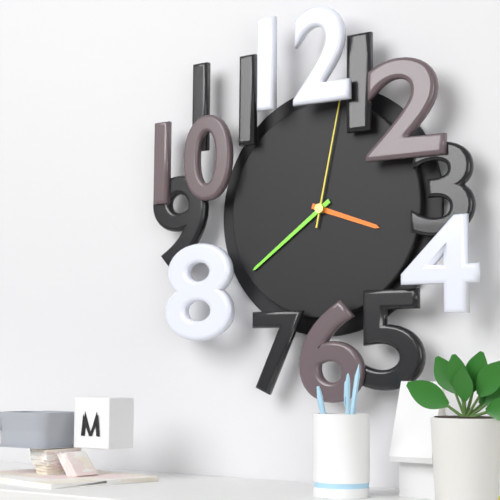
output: h=3 m=39 s=2
